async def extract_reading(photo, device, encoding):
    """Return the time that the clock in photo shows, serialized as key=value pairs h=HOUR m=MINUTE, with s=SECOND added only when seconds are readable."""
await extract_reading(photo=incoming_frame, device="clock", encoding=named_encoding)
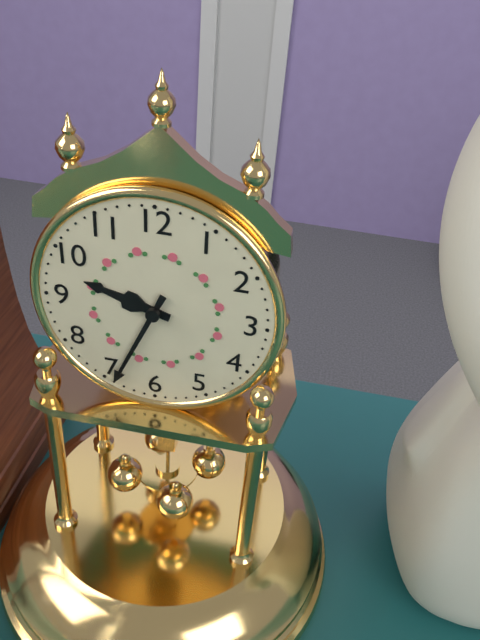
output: h=9 m=34
